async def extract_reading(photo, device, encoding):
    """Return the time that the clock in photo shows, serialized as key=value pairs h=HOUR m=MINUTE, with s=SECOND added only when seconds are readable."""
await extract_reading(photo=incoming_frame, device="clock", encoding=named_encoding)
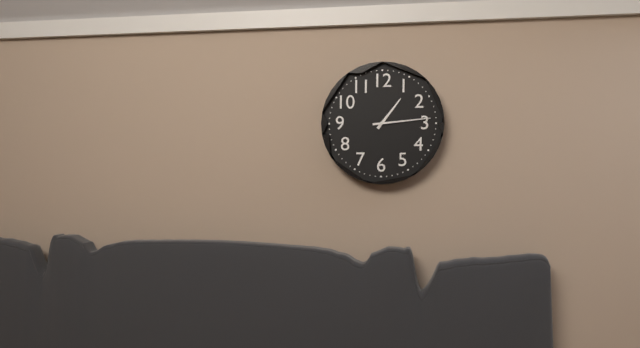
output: h=1 m=14
